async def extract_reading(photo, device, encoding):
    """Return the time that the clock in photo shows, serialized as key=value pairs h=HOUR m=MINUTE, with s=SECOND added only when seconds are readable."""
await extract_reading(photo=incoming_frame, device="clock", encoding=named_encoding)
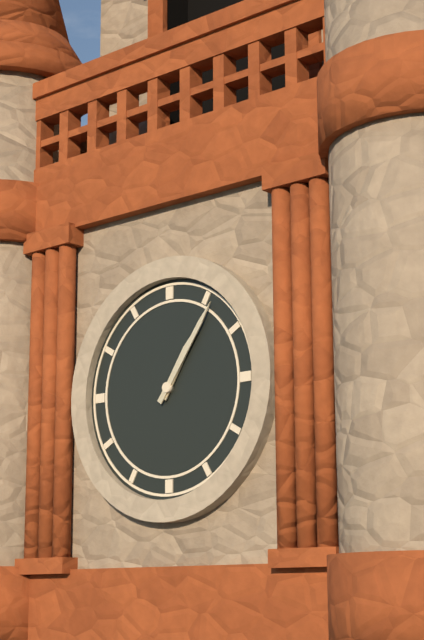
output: h=1 m=6
